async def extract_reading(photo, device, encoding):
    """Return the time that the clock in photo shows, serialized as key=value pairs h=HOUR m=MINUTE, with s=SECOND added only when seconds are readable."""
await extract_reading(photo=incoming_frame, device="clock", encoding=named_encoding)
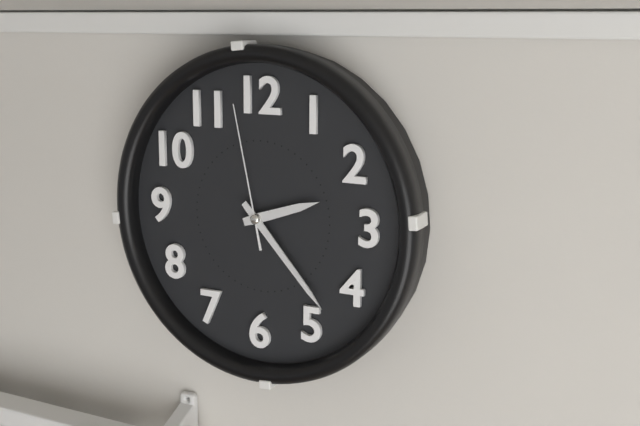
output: h=2 m=23 s=58
